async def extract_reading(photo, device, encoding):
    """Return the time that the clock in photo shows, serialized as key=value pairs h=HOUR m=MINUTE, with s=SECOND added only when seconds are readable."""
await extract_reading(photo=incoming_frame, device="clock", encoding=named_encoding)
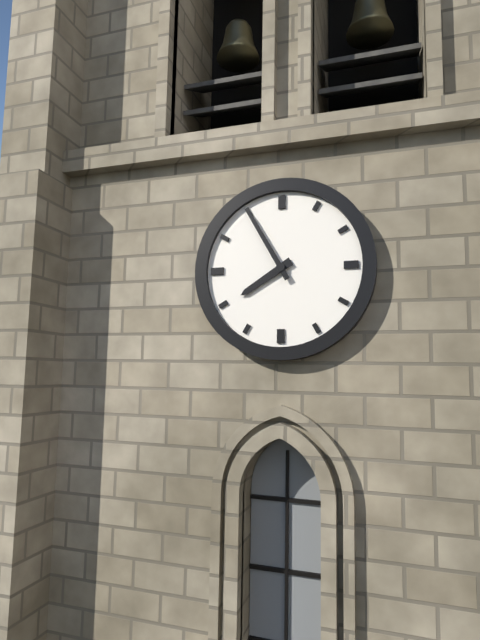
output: h=7 m=55
